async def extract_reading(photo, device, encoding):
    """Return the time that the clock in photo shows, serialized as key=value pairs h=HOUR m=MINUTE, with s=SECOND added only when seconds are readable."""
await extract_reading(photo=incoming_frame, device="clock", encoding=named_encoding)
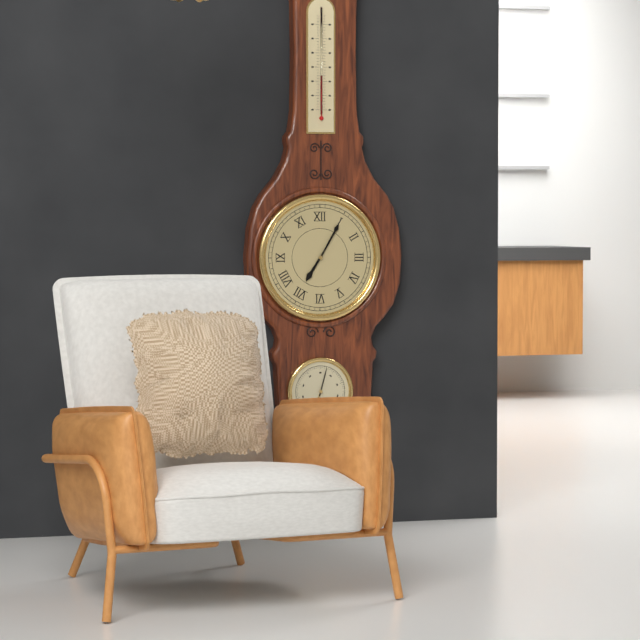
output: h=7 m=5
